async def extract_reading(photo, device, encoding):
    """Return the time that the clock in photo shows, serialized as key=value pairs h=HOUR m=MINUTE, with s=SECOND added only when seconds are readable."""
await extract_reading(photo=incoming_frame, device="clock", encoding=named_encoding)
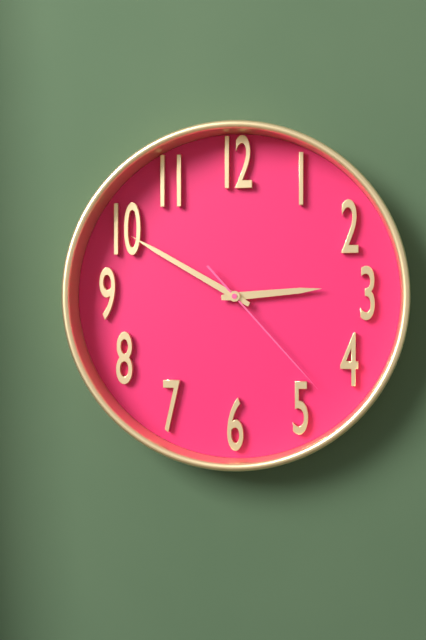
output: h=2 m=50 s=23
